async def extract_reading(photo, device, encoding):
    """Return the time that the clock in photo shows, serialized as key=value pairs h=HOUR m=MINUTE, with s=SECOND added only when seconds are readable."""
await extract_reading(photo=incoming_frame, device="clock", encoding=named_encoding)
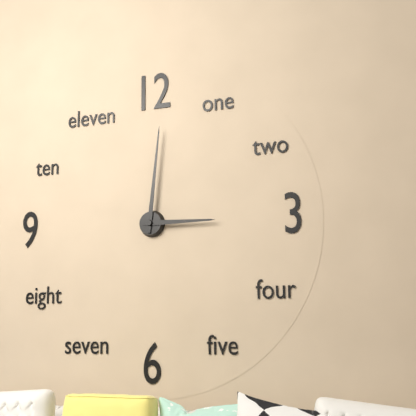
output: h=3 m=1
